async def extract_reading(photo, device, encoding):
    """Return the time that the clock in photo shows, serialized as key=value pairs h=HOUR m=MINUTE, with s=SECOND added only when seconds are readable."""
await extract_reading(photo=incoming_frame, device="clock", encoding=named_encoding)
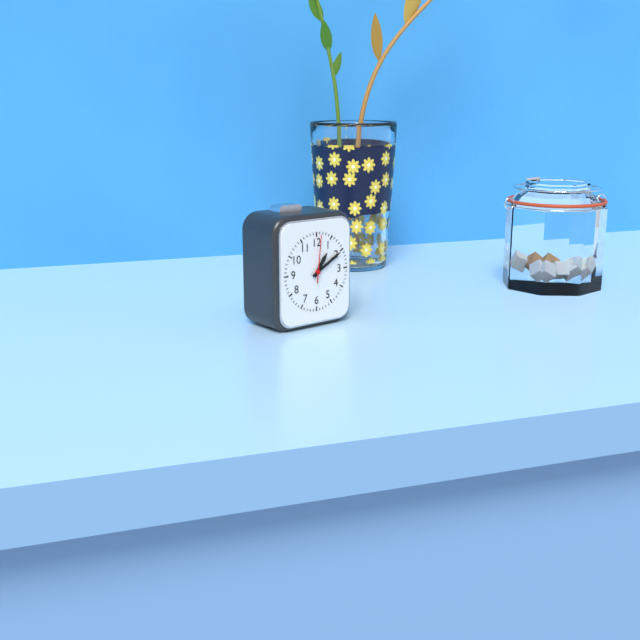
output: h=1 m=10
